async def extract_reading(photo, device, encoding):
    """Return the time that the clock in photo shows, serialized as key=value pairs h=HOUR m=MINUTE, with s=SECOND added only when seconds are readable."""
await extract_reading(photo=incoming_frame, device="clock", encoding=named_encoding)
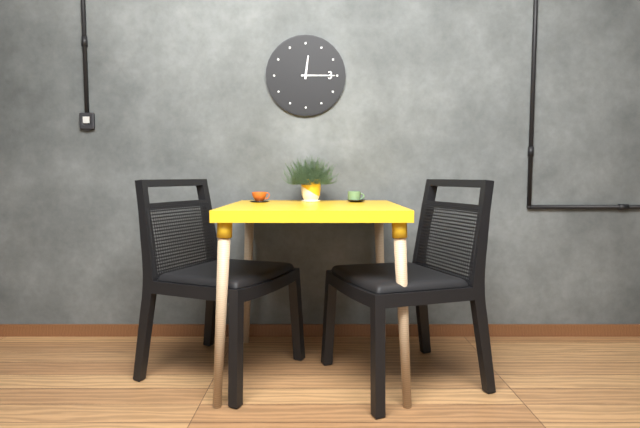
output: h=12 m=15
